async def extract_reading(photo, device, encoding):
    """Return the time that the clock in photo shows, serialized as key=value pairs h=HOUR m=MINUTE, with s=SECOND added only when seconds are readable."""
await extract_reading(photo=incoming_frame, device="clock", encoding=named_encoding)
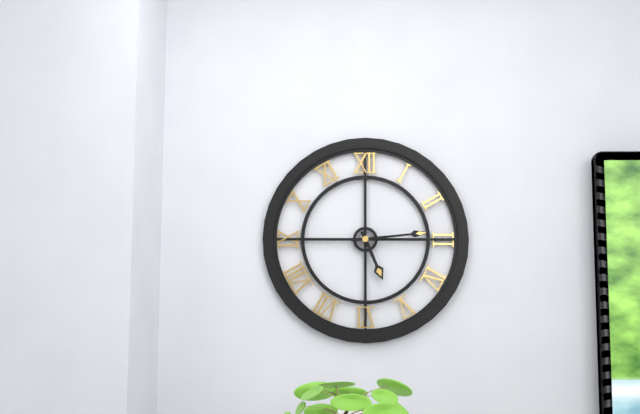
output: h=5 m=14
